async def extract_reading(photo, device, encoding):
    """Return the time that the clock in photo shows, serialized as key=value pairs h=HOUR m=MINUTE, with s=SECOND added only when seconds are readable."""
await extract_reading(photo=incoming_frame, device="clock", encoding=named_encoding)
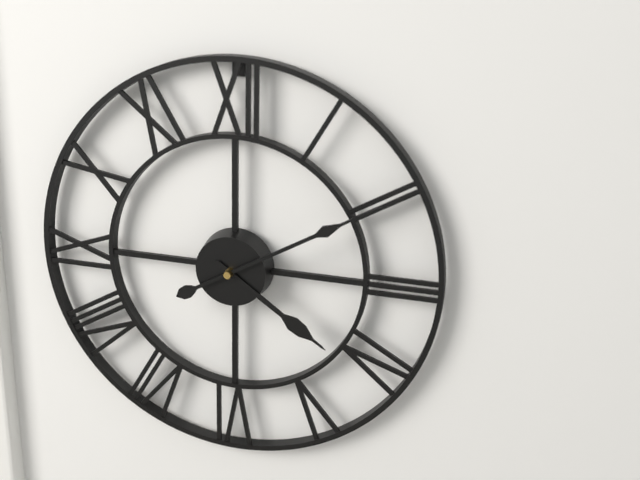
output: h=4 m=10
